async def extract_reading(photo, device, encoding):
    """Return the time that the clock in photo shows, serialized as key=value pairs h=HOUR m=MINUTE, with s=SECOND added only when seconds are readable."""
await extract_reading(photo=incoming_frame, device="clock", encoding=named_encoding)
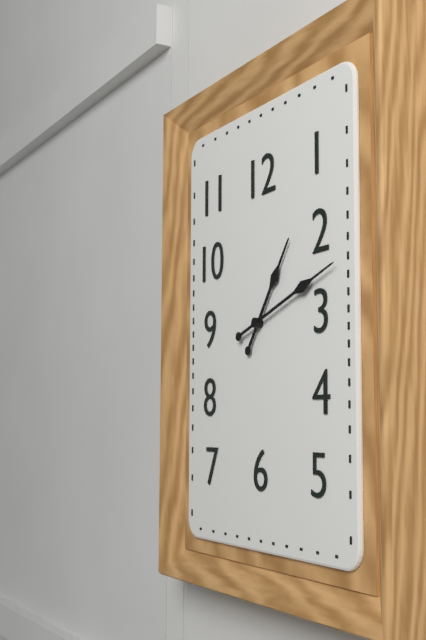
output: h=1 m=12
